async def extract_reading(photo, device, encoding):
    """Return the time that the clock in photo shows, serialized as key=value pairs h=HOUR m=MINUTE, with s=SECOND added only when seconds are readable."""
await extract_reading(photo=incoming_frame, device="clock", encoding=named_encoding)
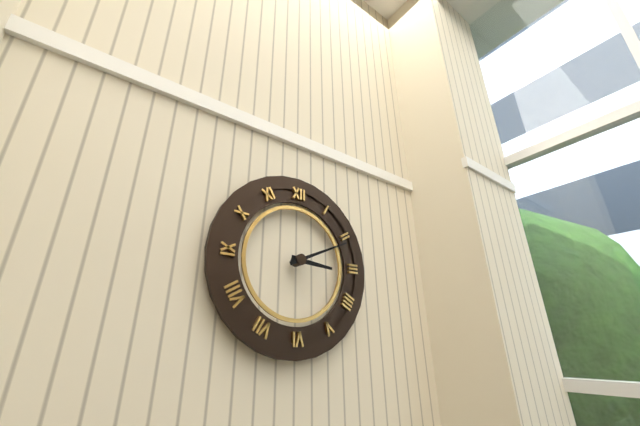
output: h=3 m=11
